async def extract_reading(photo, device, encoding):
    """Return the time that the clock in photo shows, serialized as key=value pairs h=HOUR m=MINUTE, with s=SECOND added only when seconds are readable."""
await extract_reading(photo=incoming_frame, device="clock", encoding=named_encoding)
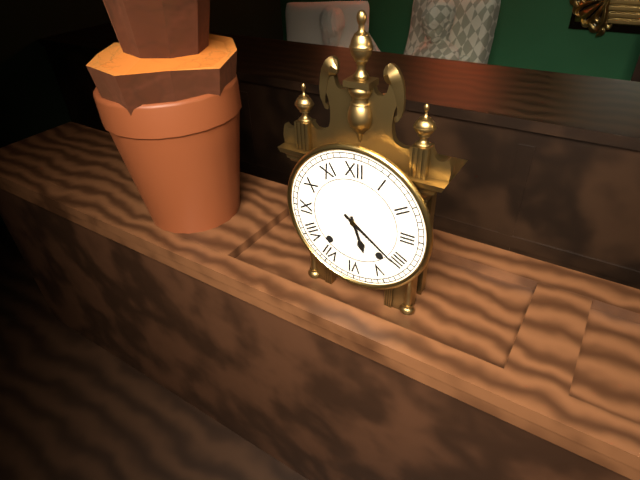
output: h=5 m=21
